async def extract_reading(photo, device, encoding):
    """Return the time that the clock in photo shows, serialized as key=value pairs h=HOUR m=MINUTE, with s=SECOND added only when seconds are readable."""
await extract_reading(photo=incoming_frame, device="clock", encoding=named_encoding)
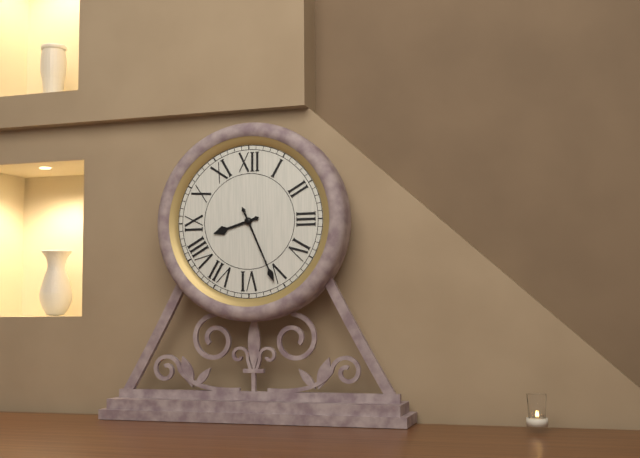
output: h=8 m=26
